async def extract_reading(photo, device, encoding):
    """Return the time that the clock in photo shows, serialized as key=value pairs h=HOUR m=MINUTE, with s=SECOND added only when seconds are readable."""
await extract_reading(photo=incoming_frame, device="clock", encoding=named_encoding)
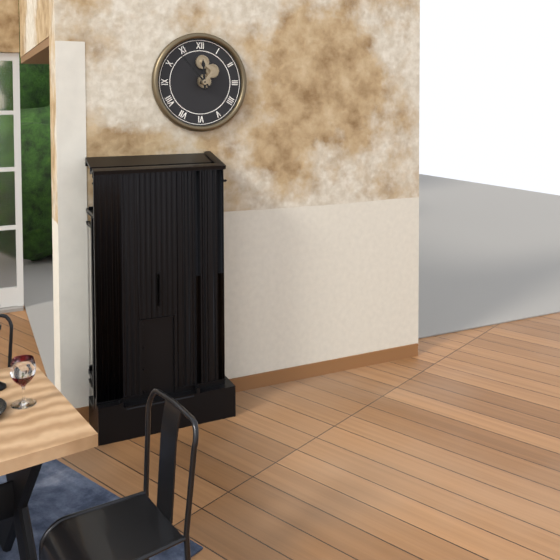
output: h=11 m=53
